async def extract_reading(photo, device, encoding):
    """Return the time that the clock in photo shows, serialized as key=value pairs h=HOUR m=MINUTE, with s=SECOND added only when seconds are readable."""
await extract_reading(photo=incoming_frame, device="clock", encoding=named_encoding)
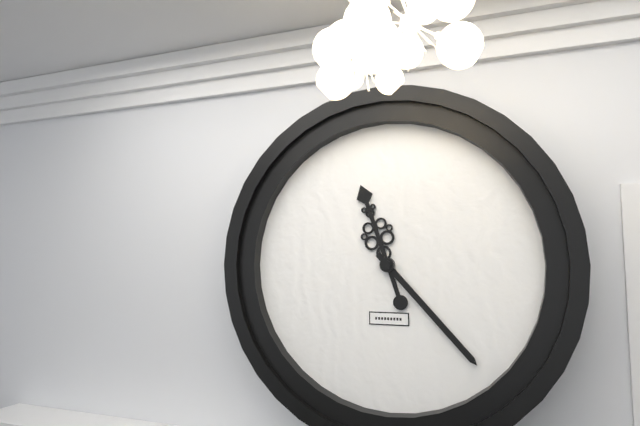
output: h=11 m=23
